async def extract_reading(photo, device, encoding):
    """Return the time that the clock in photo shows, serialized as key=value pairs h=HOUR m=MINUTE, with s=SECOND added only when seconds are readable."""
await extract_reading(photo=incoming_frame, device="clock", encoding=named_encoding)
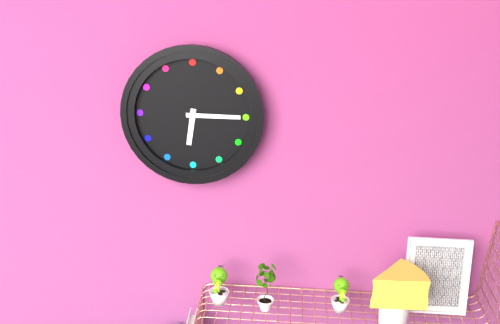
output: h=6 m=15
